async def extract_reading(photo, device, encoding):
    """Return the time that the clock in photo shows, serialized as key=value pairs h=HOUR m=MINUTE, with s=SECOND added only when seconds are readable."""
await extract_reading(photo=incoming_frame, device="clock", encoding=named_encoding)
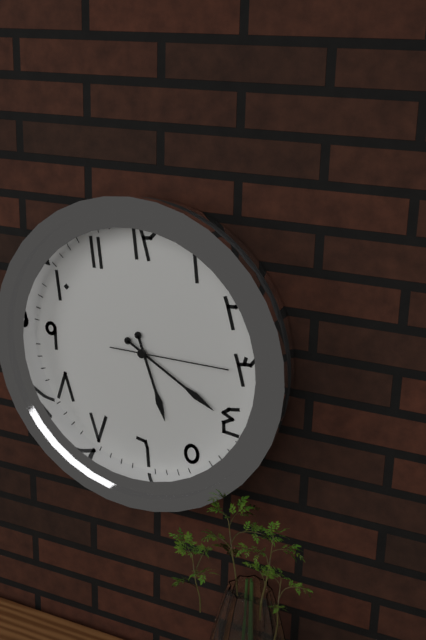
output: h=5 m=20 s=15
